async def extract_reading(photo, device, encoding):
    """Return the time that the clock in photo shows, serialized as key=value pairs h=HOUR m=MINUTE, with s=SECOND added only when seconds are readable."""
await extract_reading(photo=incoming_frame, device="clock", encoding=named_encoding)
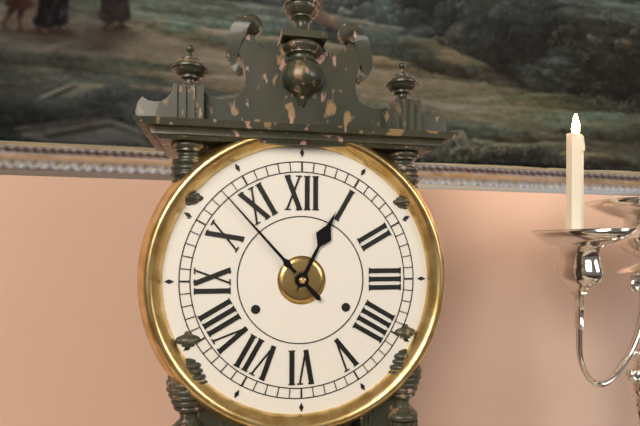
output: h=12 m=53
